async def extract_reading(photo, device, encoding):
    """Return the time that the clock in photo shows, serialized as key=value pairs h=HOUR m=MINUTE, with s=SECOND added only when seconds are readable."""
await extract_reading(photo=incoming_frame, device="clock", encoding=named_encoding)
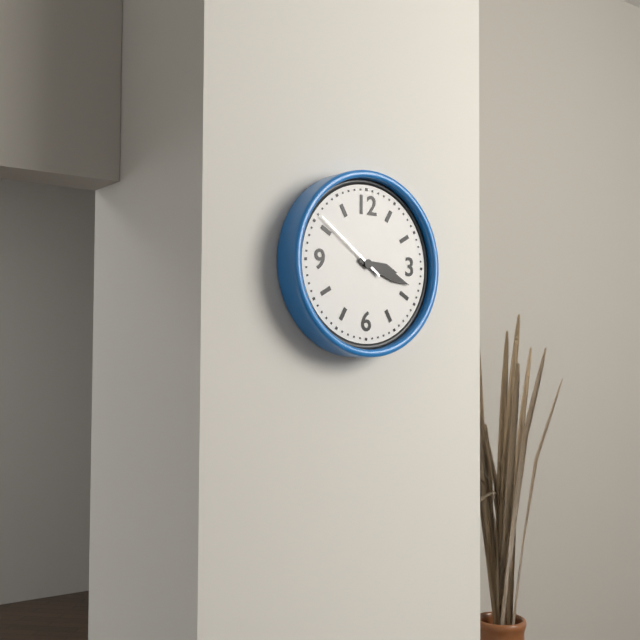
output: h=3 m=18 s=51
